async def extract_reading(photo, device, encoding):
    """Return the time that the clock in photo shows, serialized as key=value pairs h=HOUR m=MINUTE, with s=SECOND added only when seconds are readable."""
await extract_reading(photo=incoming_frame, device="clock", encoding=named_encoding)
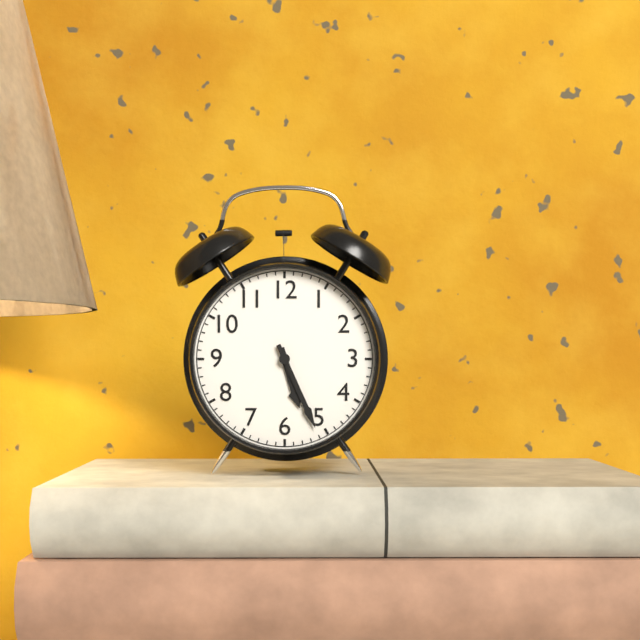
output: h=5 m=26
